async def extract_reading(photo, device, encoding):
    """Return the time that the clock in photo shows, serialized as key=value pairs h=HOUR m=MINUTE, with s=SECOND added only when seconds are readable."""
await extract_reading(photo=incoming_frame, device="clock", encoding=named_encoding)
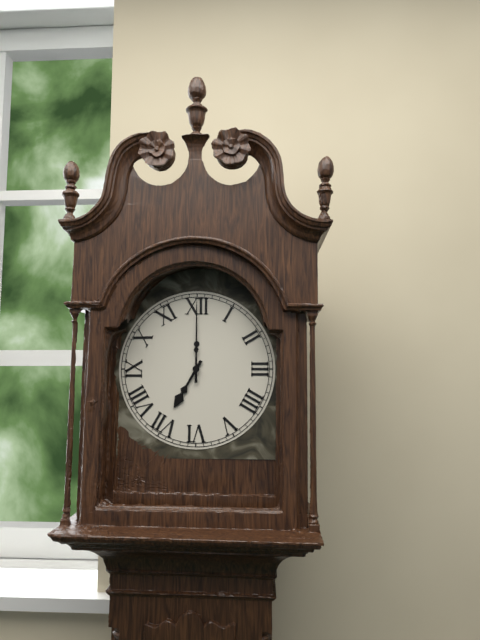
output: h=7 m=0
